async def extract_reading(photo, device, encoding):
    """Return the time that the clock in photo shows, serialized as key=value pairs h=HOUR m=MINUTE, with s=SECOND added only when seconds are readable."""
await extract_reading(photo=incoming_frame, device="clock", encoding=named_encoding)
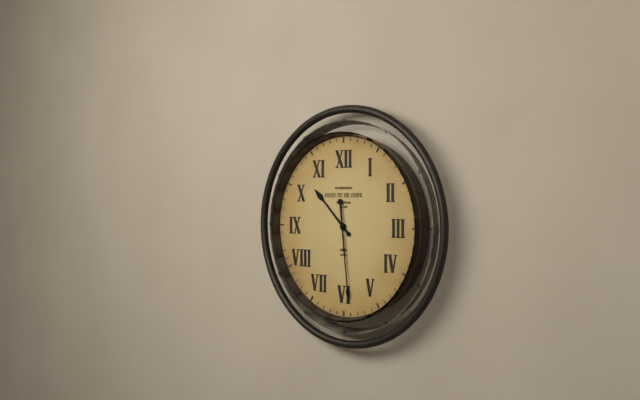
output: h=10 m=29
